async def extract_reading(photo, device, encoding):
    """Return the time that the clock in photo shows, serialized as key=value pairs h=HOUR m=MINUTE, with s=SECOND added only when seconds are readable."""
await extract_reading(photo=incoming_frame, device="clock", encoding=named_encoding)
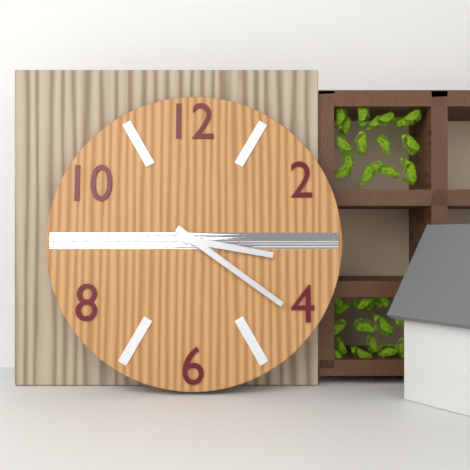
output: h=3 m=21
